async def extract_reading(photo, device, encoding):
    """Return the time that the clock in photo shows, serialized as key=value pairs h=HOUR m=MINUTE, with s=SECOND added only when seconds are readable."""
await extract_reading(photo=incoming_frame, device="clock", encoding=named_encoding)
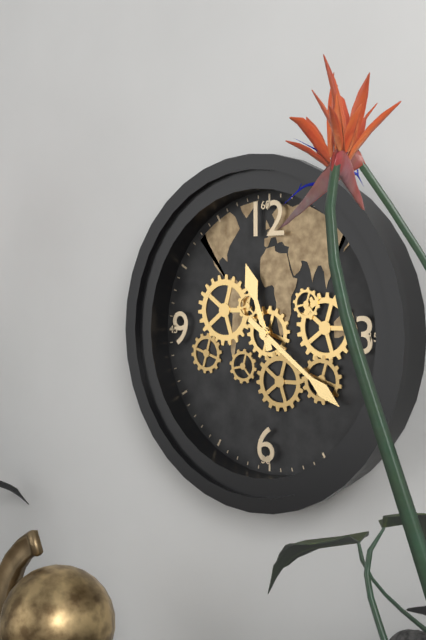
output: h=11 m=21
